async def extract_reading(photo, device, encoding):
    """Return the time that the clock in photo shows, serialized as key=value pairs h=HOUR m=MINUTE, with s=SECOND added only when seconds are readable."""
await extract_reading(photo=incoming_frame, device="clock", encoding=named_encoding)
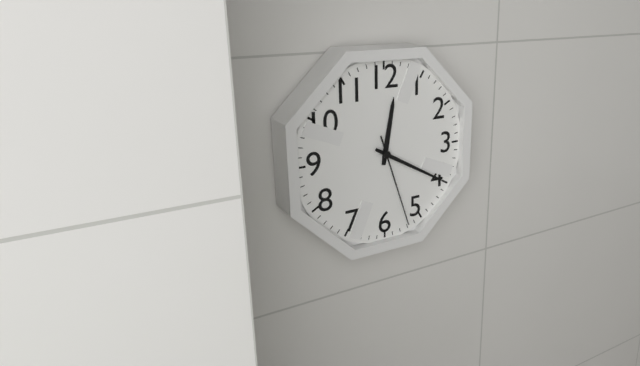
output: h=12 m=20 s=27
